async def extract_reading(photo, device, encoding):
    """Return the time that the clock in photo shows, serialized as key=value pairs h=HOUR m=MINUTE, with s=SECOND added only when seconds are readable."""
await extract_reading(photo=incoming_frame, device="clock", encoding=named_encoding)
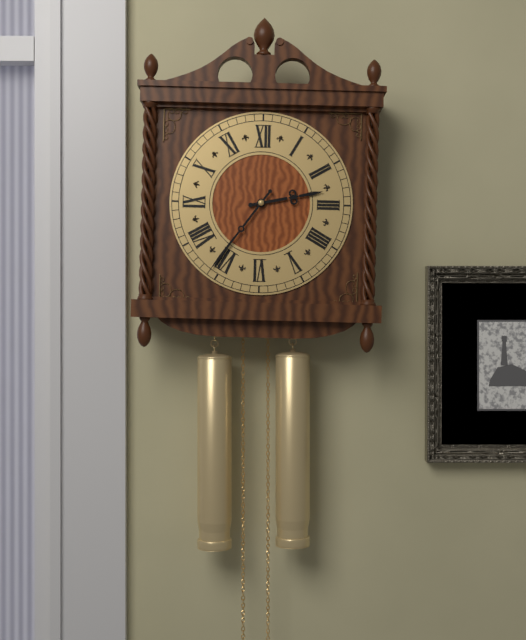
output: h=2 m=36
